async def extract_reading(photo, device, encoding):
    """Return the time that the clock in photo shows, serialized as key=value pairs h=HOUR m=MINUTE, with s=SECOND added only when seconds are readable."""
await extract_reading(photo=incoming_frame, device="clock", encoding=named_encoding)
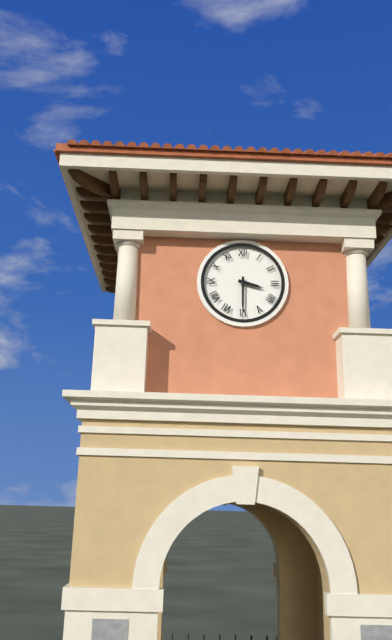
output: h=3 m=30
